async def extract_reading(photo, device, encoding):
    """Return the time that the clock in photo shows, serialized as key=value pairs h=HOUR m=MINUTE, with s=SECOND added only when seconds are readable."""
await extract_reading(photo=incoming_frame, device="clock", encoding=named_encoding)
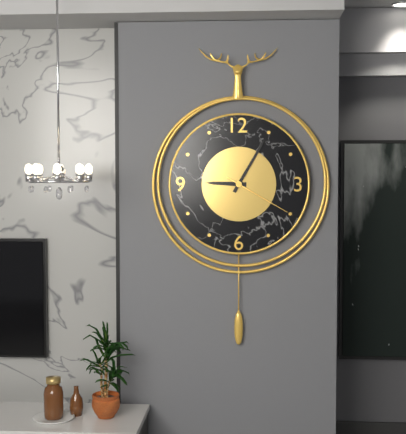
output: h=9 m=5 s=20
